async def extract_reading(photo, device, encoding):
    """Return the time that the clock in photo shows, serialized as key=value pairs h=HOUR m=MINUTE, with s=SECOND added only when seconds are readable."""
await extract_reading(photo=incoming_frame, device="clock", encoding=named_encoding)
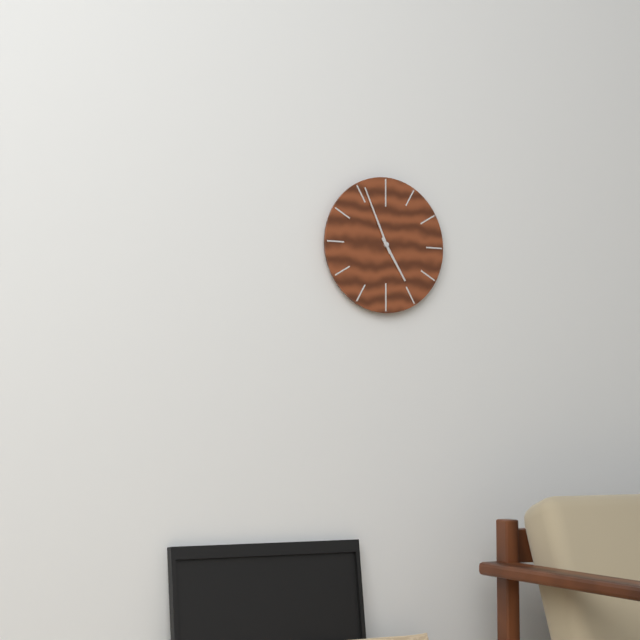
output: h=4 m=56
